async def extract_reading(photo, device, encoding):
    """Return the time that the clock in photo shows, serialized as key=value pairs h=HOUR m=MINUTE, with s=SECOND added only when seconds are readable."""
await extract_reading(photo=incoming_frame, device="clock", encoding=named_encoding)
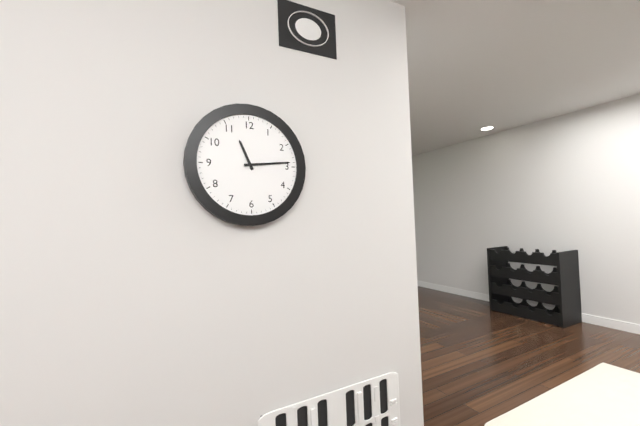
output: h=11 m=14
